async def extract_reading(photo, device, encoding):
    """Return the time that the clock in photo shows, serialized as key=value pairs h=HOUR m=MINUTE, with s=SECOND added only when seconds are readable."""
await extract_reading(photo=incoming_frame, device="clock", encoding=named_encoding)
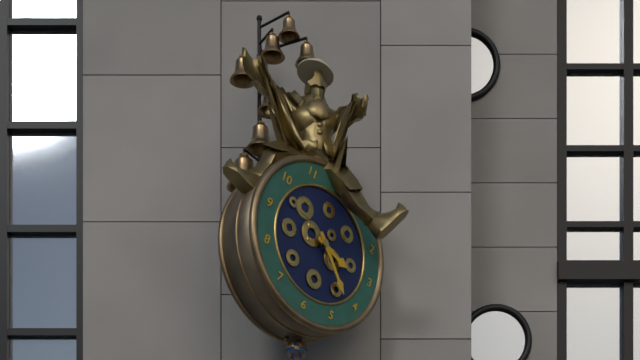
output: h=3 m=22
